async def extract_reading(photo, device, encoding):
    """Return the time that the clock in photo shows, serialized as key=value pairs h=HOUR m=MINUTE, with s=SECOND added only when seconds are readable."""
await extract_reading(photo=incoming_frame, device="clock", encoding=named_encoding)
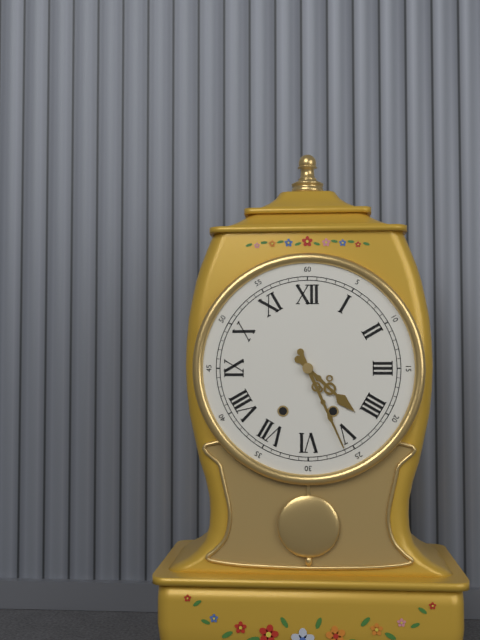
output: h=4 m=26
